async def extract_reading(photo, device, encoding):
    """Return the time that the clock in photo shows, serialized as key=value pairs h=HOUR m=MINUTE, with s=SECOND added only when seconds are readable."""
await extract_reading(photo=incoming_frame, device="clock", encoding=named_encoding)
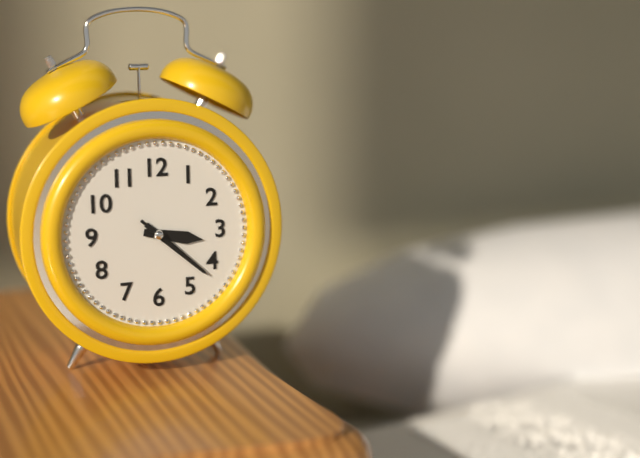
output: h=3 m=22 s=22
